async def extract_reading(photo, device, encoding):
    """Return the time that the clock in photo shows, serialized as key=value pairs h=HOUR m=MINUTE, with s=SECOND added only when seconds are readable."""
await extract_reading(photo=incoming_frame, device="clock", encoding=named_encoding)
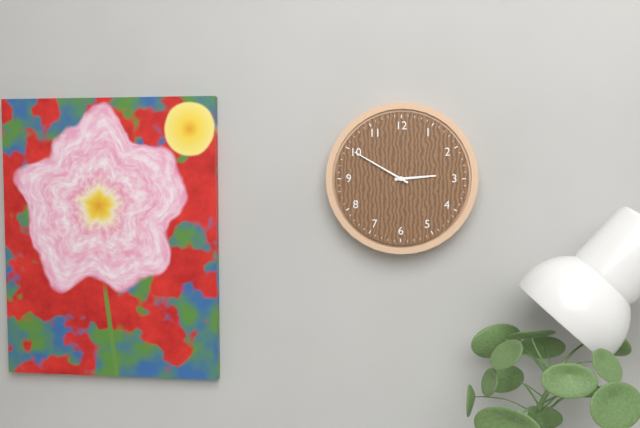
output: h=2 m=50
